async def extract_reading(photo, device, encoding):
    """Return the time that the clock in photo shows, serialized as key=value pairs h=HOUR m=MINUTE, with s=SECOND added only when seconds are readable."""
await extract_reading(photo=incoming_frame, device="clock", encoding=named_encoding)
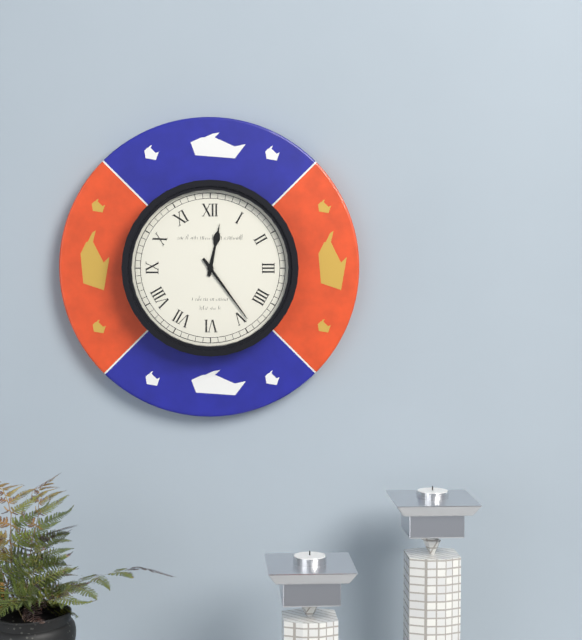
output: h=12 m=24
